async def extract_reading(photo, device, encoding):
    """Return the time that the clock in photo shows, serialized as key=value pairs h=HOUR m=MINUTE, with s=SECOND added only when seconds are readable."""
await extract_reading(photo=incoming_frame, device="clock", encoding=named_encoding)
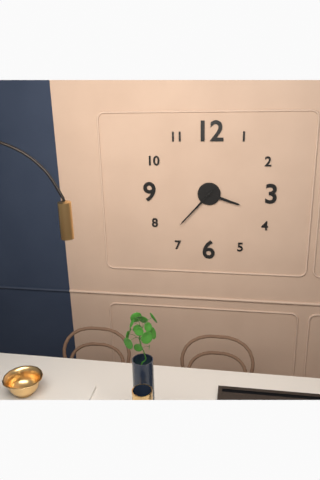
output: h=3 m=37 s=37
